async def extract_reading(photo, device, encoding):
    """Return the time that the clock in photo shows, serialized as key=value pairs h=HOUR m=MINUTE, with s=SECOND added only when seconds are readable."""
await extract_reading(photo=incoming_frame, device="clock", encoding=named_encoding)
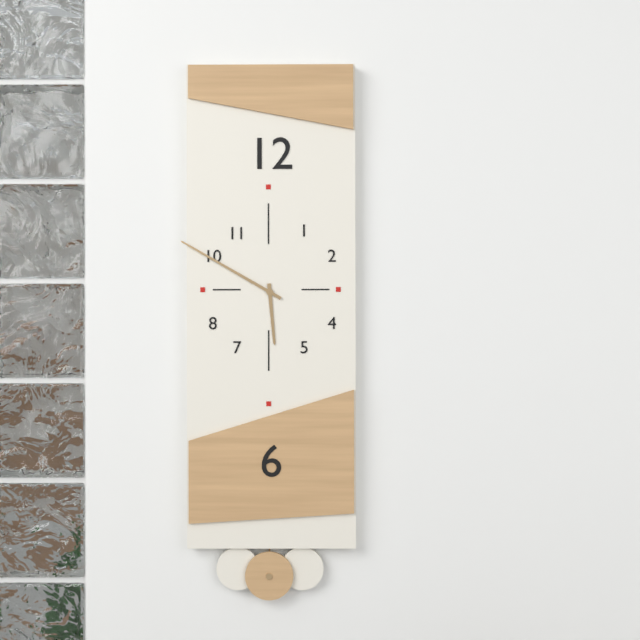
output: h=5 m=50
